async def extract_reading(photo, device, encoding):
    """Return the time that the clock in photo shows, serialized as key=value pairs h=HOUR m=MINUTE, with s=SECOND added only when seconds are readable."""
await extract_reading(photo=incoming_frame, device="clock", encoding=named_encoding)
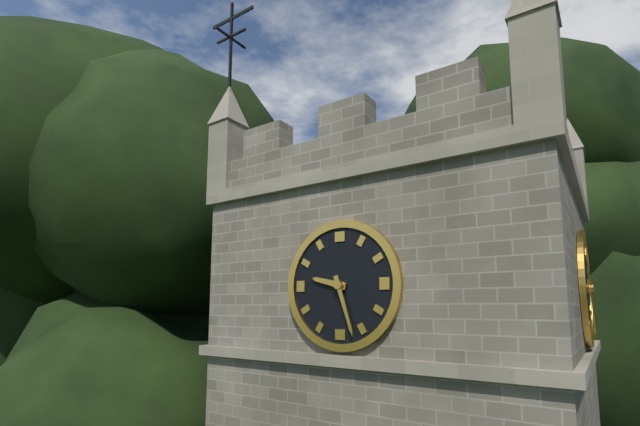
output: h=9 m=27
